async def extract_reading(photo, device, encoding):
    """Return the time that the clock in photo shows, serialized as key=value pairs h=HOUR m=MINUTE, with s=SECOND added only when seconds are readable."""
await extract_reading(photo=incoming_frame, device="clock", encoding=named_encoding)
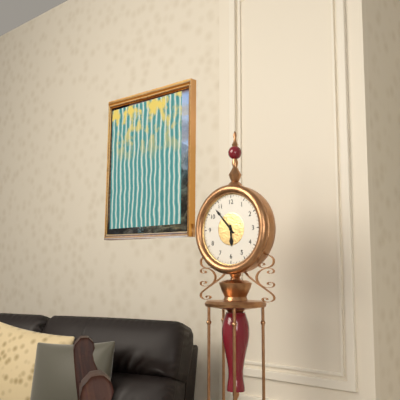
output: h=5 m=53
